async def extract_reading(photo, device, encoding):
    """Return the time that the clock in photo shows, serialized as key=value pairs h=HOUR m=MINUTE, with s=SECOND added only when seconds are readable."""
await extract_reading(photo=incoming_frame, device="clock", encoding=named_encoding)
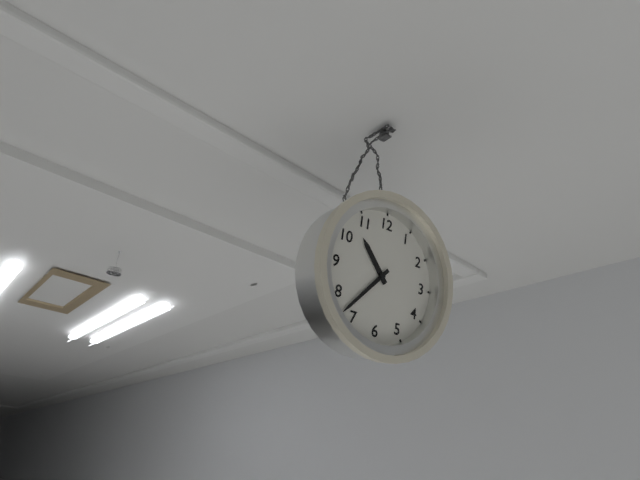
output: h=10 m=37
